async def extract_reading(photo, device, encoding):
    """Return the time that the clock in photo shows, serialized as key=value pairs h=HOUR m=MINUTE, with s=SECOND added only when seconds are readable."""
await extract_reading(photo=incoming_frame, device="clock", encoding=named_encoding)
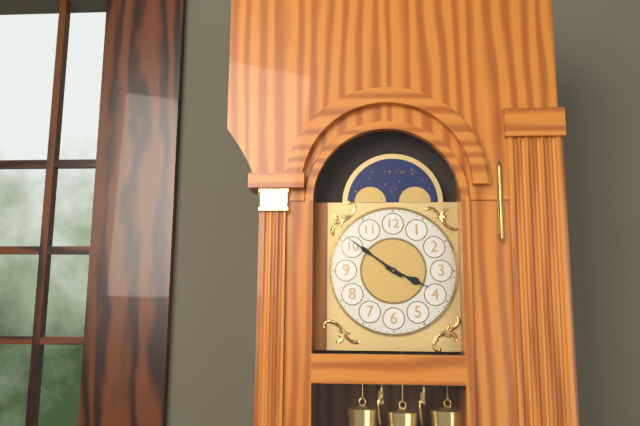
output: h=3 m=51
